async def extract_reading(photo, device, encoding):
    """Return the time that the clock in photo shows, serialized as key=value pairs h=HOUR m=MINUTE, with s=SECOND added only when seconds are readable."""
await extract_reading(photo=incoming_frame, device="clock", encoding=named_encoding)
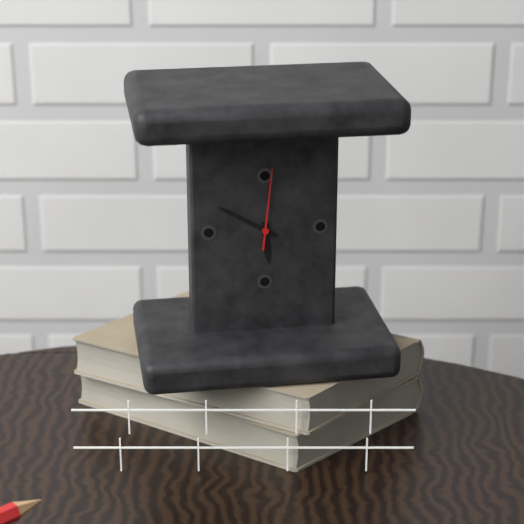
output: h=5 m=50 s=1
